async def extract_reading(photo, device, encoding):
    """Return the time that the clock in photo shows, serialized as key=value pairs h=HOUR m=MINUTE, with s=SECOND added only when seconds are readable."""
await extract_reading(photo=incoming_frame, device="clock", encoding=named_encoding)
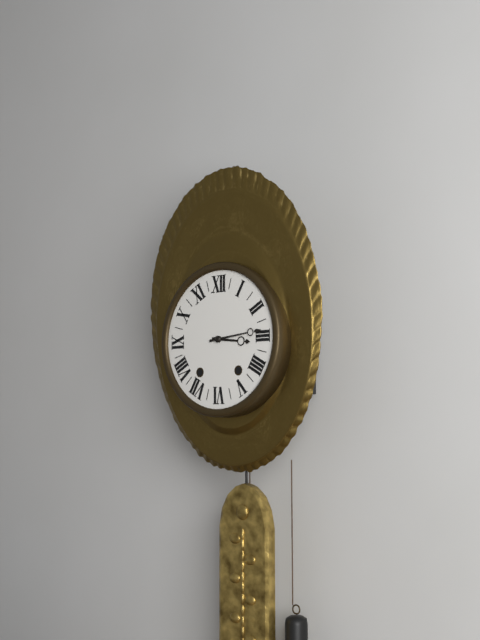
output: h=3 m=14
